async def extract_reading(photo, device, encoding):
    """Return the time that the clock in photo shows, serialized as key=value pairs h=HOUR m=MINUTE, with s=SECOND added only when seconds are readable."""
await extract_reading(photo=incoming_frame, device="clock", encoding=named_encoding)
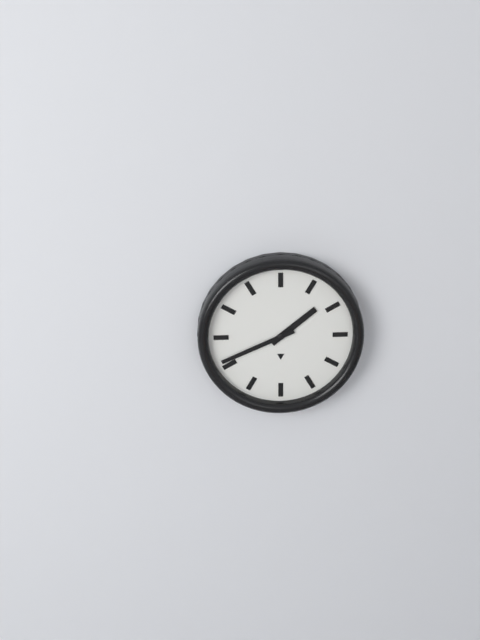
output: h=1 m=41
